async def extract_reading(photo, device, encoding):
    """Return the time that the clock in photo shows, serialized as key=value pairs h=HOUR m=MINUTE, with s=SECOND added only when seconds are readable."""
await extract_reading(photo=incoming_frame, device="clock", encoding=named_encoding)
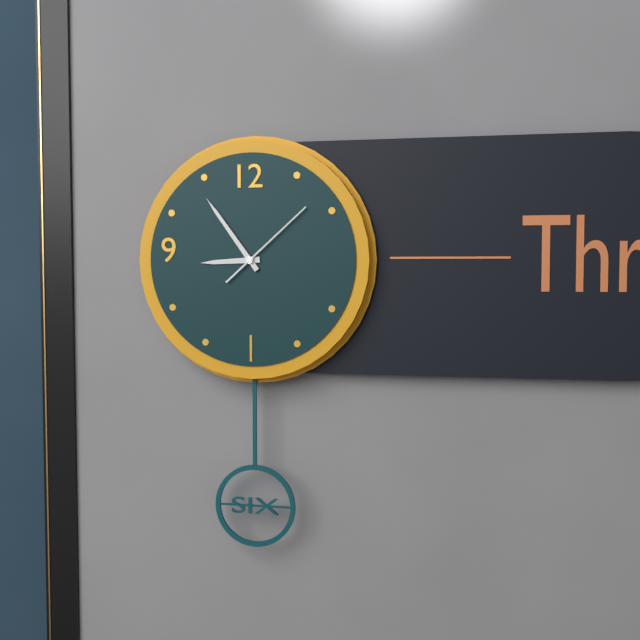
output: h=8 m=54 s=8
